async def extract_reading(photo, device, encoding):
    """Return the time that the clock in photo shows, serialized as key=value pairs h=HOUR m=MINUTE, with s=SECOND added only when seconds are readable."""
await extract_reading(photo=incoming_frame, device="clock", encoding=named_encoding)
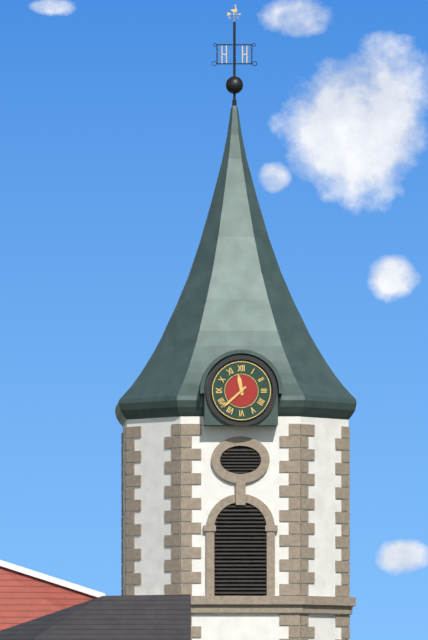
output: h=11 m=38
